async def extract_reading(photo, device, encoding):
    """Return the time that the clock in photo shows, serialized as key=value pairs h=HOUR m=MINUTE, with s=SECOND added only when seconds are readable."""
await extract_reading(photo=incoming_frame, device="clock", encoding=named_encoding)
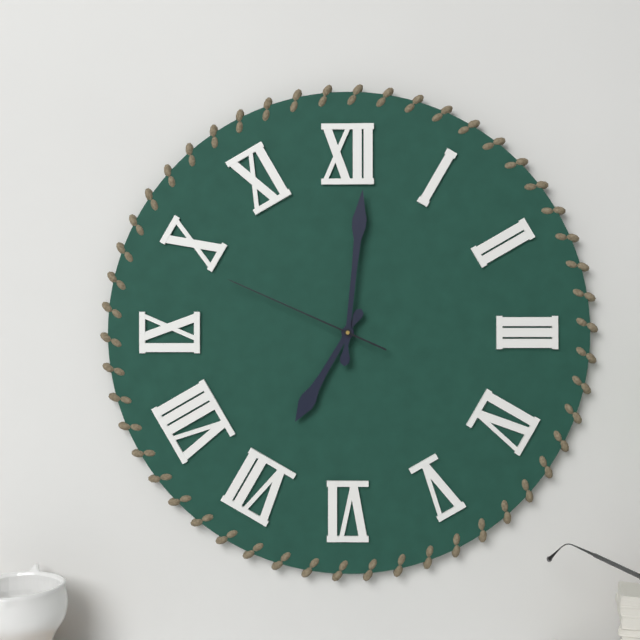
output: h=7 m=1 s=49
